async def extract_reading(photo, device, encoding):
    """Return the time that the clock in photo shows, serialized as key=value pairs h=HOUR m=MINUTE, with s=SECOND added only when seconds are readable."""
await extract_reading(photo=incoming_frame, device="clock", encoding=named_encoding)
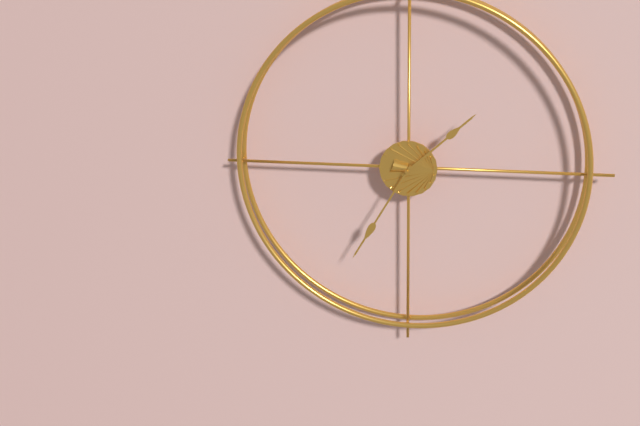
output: h=1 m=35
